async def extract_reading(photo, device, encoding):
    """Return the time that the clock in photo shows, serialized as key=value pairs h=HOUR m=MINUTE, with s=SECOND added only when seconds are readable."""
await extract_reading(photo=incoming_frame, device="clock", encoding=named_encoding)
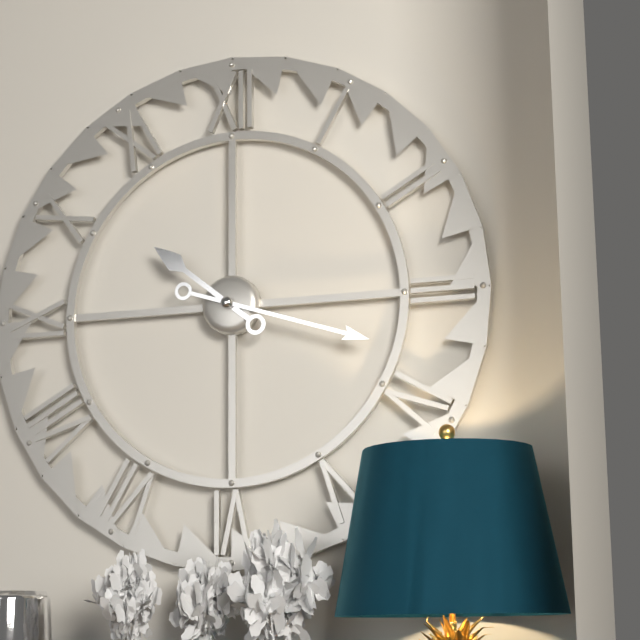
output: h=10 m=18
